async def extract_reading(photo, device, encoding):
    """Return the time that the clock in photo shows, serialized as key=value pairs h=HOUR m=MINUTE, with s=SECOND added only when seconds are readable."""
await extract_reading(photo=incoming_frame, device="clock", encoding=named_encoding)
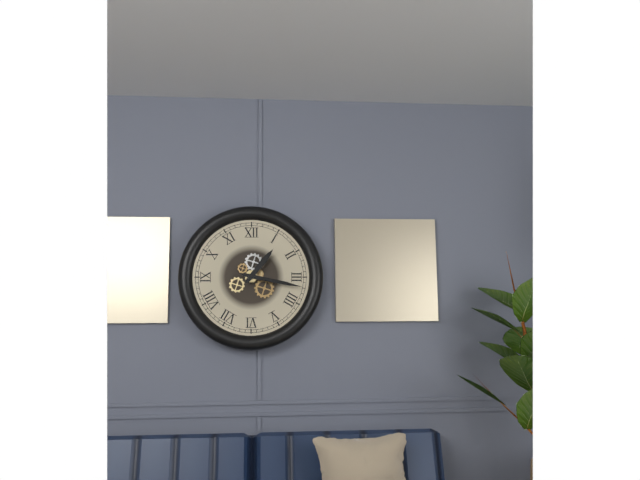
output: h=1 m=17
